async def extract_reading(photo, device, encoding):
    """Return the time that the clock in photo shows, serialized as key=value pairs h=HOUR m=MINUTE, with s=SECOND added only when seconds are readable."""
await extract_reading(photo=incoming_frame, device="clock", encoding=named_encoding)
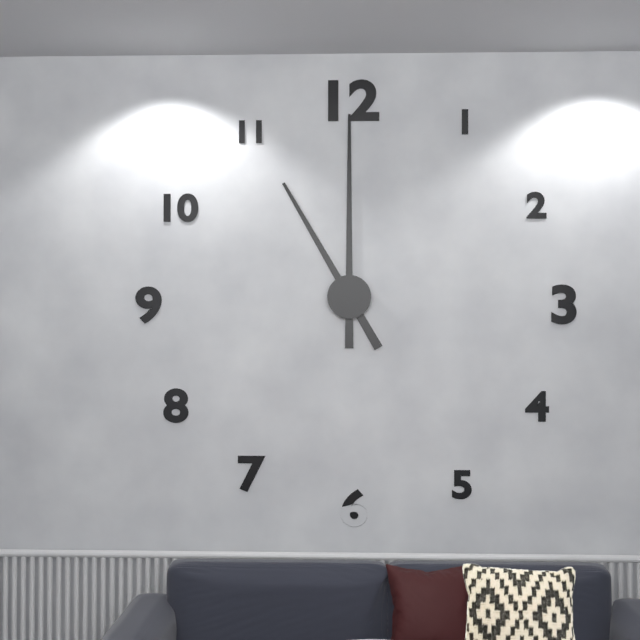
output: h=11 m=0
